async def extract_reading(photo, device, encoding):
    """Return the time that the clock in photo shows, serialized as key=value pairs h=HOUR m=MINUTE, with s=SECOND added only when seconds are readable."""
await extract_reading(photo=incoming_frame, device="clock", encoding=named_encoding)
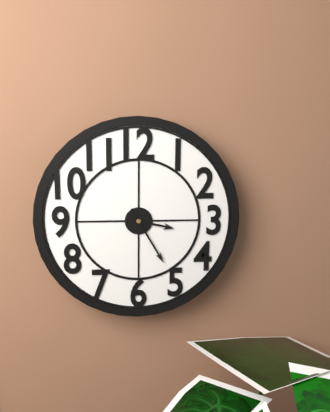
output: h=3 m=25
